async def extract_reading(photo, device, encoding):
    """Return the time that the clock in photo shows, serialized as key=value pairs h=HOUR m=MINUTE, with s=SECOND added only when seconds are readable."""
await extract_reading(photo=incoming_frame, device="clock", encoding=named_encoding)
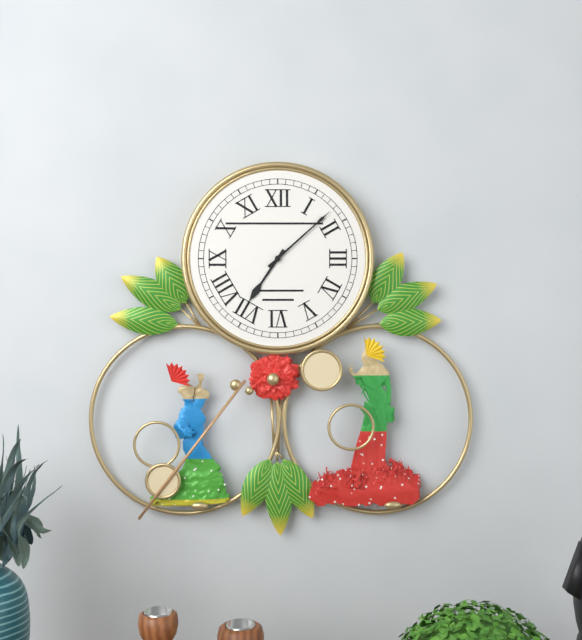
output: h=7 m=8
